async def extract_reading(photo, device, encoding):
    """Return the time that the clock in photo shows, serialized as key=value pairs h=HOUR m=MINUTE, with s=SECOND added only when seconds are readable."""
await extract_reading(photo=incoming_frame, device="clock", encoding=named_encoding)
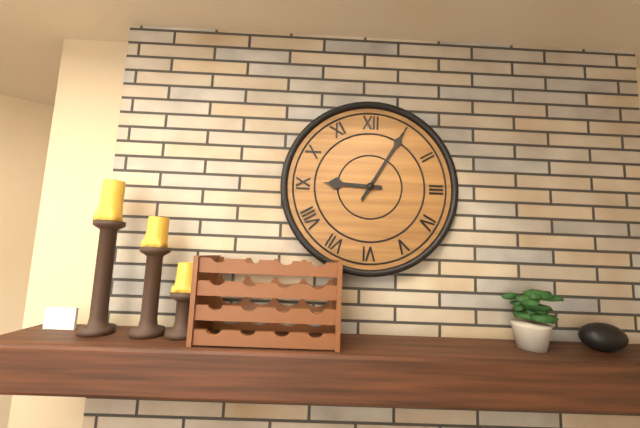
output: h=9 m=5
